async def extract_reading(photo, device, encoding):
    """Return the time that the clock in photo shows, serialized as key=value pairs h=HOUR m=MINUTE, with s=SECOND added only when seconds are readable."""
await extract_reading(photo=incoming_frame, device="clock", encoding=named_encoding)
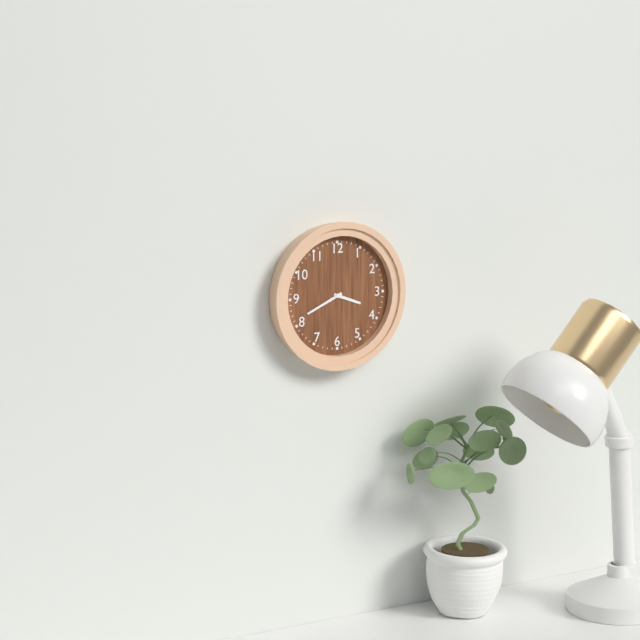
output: h=3 m=41
